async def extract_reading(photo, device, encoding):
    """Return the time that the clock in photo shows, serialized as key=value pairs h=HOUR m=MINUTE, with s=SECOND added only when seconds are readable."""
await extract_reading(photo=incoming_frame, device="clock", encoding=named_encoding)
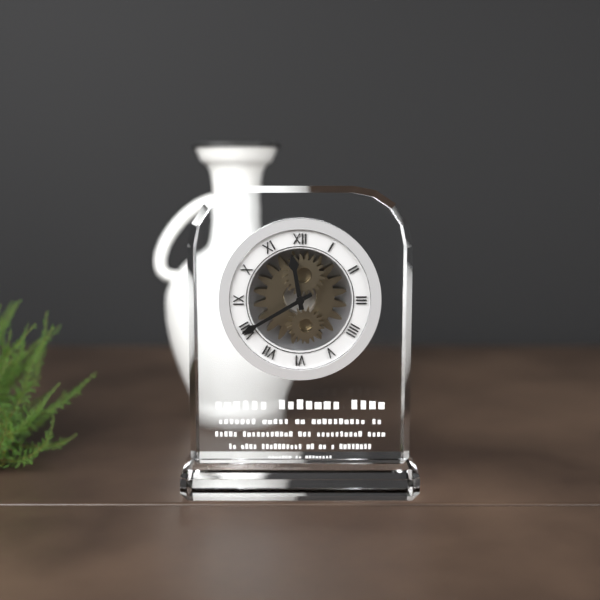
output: h=11 m=40
